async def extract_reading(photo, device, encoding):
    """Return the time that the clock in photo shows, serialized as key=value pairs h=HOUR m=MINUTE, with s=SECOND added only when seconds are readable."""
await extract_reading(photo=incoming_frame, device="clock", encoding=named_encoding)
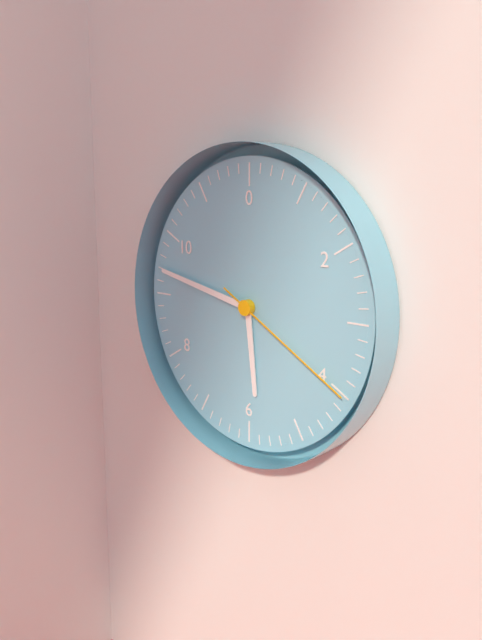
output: h=5 m=47 s=20
